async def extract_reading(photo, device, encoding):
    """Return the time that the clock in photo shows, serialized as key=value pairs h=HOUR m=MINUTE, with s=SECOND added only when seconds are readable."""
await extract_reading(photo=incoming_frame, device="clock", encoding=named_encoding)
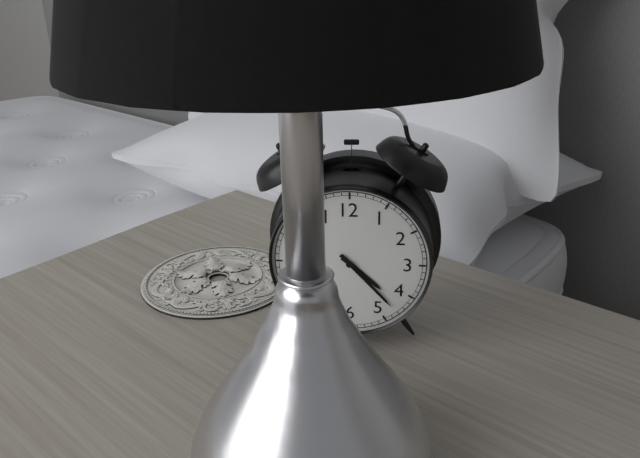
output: h=4 m=23
